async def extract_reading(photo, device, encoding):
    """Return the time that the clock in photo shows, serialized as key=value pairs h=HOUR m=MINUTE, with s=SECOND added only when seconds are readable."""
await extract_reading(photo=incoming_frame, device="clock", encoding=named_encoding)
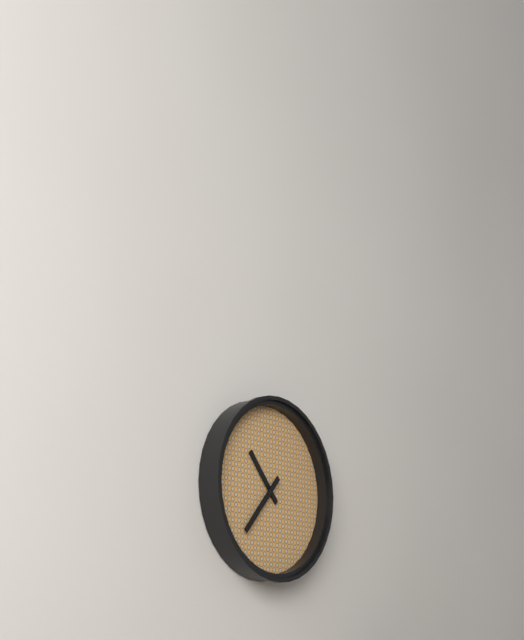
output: h=10 m=37
